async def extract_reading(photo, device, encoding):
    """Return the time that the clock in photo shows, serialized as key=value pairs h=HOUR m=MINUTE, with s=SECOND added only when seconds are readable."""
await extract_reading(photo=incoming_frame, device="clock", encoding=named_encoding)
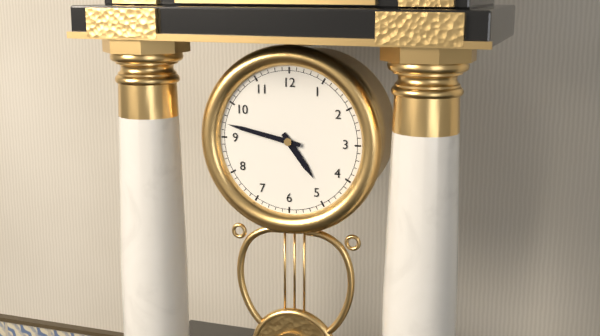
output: h=4 m=47
